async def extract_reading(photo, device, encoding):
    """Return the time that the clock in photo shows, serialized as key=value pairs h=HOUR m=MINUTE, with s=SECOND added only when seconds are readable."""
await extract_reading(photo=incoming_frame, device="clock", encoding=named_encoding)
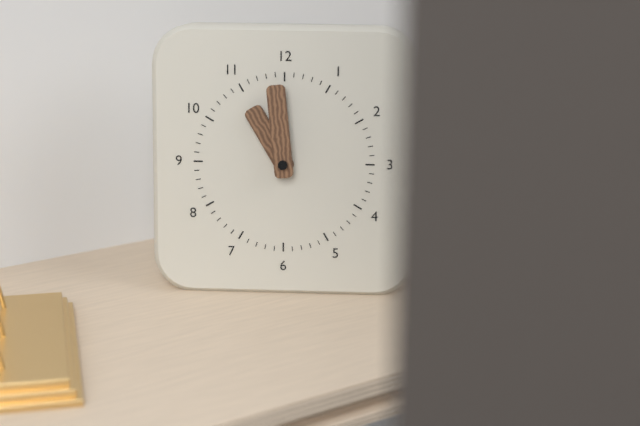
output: h=10 m=59
